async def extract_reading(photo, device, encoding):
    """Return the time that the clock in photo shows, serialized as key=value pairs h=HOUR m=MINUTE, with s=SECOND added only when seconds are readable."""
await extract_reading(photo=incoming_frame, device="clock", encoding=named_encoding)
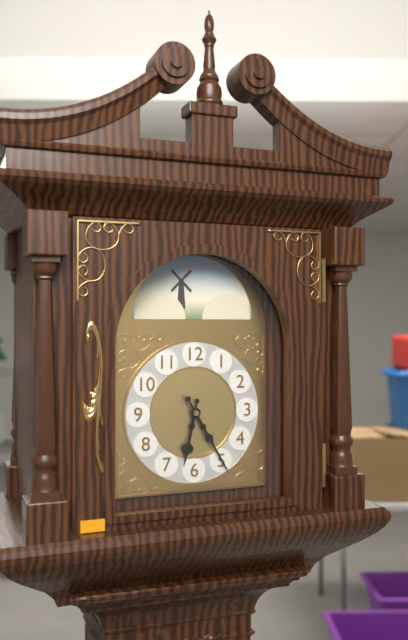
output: h=6 m=25
